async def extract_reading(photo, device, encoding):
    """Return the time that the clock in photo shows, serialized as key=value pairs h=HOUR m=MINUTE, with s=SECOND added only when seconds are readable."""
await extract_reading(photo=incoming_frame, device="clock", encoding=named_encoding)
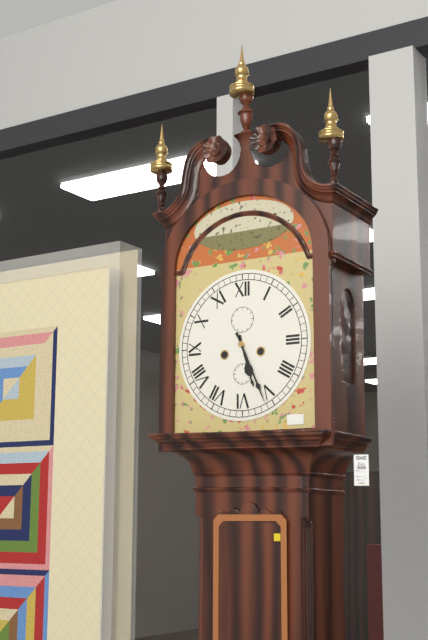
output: h=5 m=26
